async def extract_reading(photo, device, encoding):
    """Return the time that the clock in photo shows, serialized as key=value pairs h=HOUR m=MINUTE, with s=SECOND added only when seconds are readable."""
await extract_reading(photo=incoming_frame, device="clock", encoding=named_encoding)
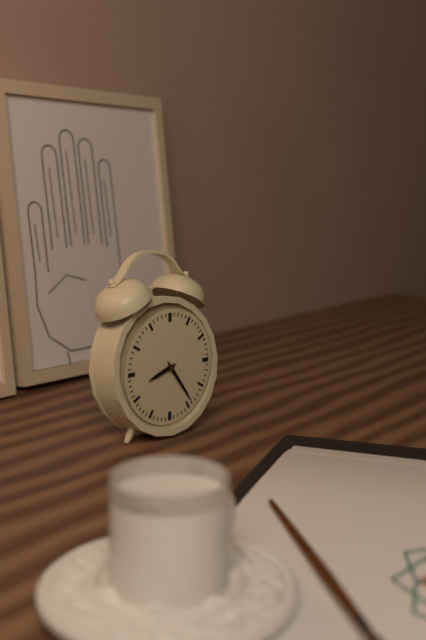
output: h=8 m=24
